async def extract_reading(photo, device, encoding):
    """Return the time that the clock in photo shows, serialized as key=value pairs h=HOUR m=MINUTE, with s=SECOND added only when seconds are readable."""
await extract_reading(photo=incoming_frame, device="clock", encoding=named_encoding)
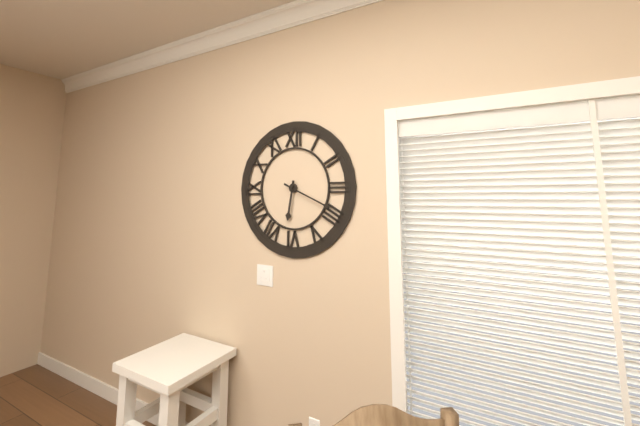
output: h=6 m=19
